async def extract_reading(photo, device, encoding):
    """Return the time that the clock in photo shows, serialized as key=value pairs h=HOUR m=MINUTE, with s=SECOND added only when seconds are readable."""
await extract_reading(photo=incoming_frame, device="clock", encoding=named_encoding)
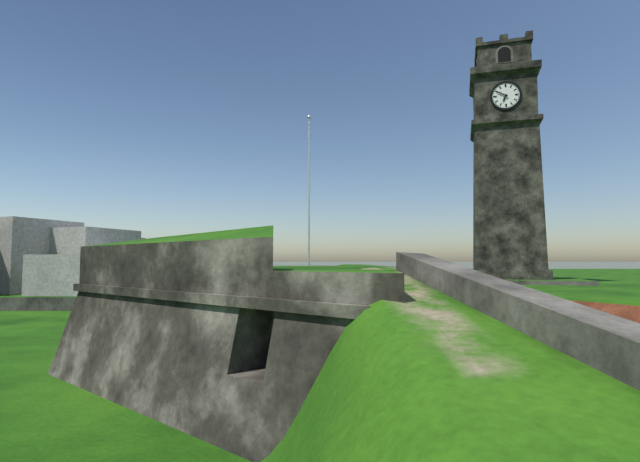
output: h=6 m=50
